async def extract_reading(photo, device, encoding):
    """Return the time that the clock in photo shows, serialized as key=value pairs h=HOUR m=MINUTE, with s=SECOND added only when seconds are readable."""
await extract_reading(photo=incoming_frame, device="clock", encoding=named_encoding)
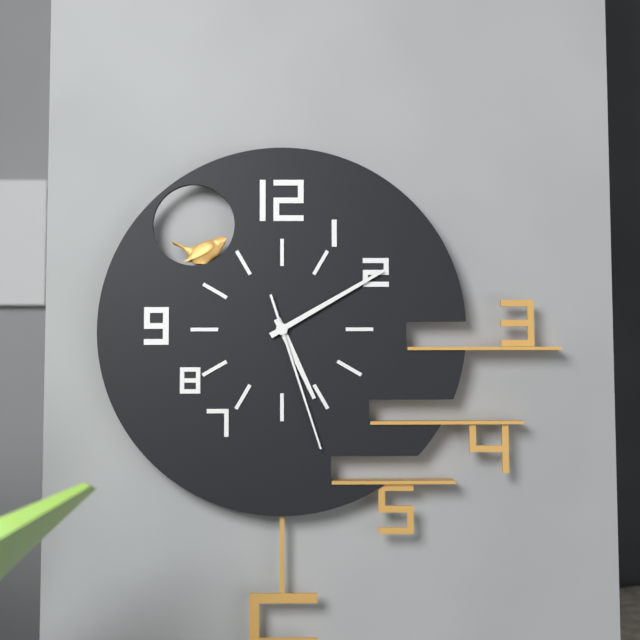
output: h=5 m=10 s=27
